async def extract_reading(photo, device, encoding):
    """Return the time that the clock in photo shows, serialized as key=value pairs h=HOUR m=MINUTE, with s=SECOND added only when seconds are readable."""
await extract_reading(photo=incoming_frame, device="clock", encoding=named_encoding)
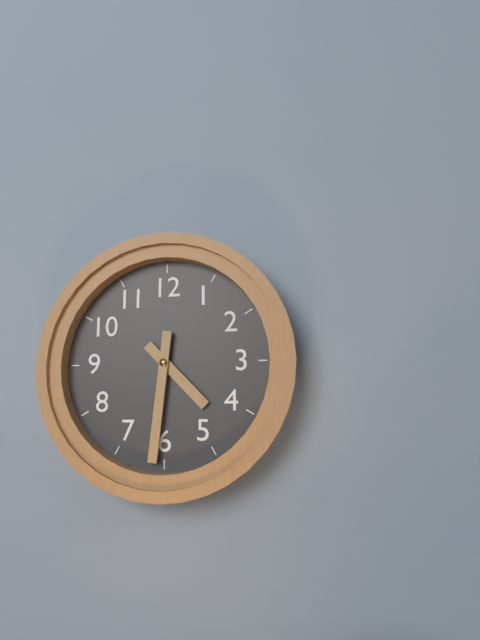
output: h=4 m=31
